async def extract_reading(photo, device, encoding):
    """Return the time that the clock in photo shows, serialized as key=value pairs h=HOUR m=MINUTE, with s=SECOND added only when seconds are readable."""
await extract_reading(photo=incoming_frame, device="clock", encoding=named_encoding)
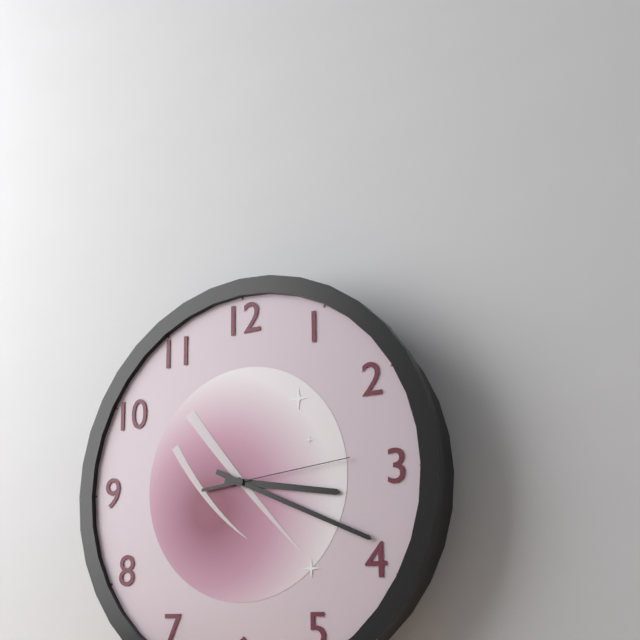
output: h=3 m=19 s=14
